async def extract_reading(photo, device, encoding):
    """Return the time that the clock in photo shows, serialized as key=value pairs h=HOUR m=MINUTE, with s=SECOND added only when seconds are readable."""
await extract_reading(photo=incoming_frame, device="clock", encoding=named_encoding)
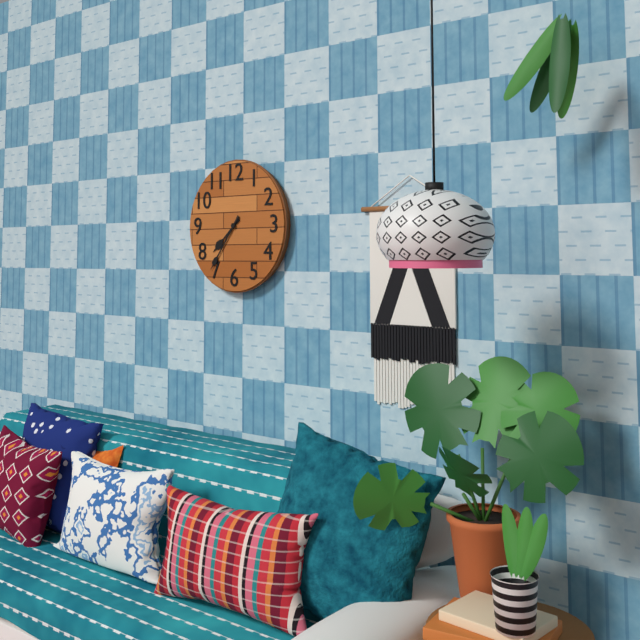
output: h=7 m=36
